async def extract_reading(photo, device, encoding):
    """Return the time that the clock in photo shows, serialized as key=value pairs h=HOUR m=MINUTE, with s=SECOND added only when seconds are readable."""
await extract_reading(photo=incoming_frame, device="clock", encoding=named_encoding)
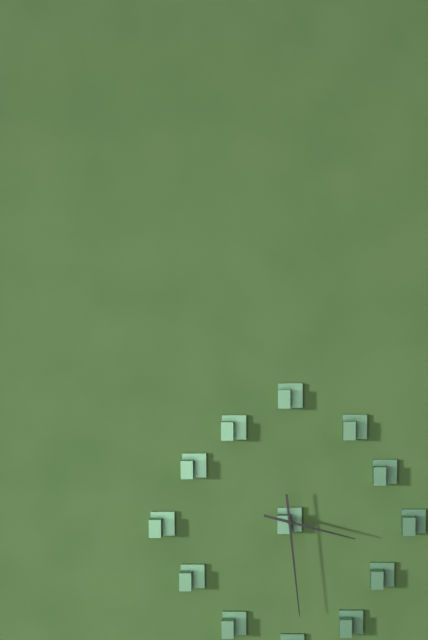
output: h=3 m=29
